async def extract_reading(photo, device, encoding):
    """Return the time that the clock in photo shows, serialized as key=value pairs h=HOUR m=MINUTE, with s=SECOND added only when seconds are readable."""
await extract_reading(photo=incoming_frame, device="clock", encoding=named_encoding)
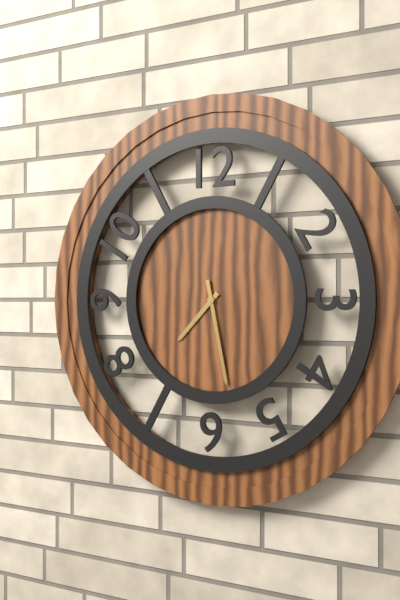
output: h=7 m=28
